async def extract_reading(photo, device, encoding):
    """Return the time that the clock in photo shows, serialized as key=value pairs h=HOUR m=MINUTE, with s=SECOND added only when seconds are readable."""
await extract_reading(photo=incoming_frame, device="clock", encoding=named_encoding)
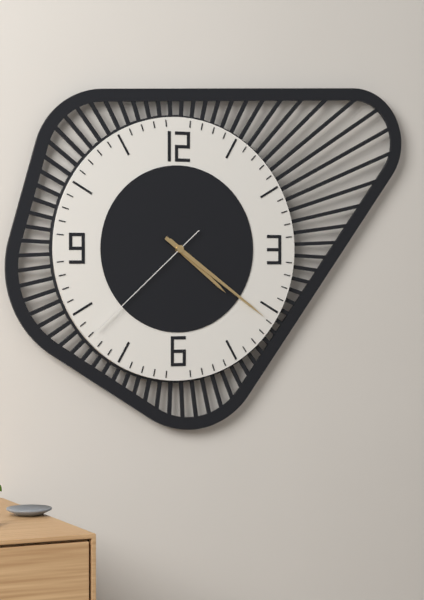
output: h=4 m=21 s=38
